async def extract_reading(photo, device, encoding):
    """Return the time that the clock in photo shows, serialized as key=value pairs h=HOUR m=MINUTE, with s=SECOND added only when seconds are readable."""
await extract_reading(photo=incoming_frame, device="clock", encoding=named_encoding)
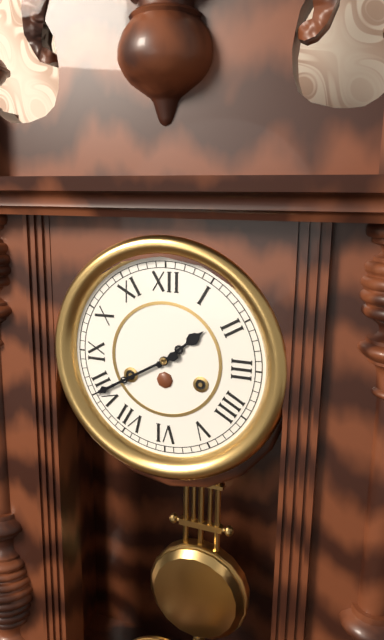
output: h=1 m=40
